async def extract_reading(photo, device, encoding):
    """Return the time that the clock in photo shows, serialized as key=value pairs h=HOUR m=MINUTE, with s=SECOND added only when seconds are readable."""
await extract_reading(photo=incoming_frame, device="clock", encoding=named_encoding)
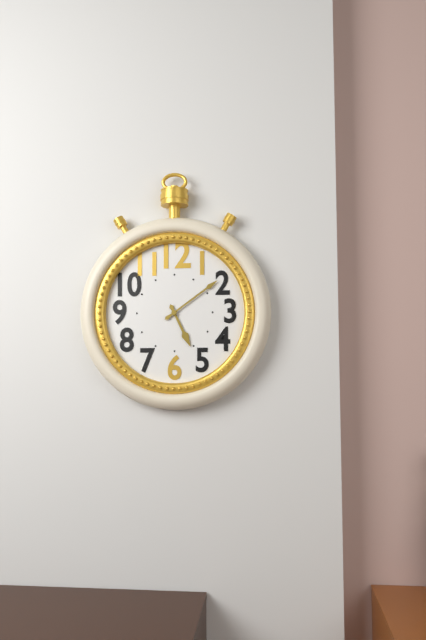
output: h=5 m=9
